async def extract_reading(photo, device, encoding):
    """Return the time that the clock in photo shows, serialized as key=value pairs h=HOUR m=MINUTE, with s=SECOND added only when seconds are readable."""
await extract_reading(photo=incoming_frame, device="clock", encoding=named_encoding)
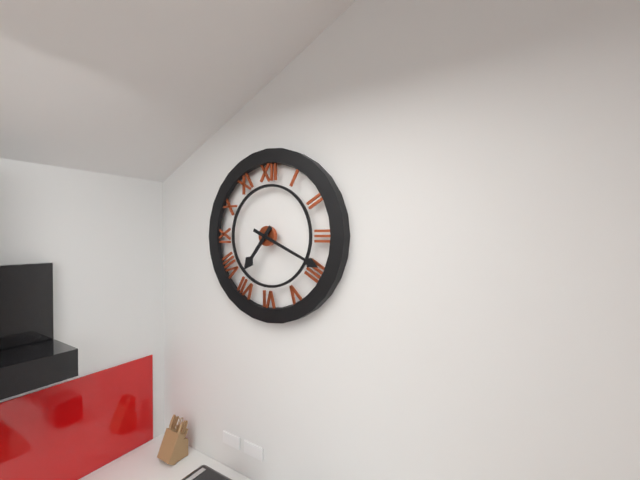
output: h=7 m=19
